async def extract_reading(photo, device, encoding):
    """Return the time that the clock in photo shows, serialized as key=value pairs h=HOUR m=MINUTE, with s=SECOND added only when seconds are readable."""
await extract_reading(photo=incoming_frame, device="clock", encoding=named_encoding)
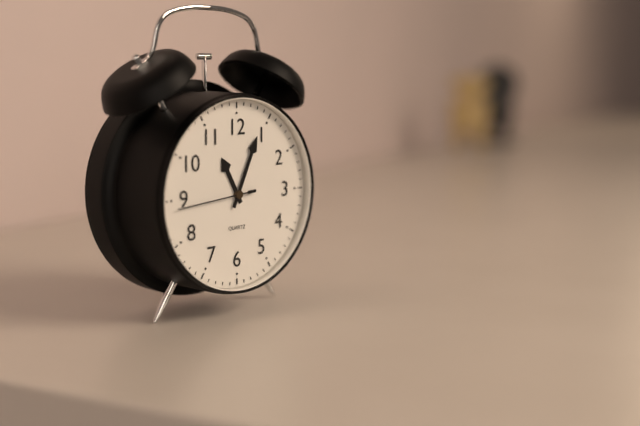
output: h=11 m=4 s=44
